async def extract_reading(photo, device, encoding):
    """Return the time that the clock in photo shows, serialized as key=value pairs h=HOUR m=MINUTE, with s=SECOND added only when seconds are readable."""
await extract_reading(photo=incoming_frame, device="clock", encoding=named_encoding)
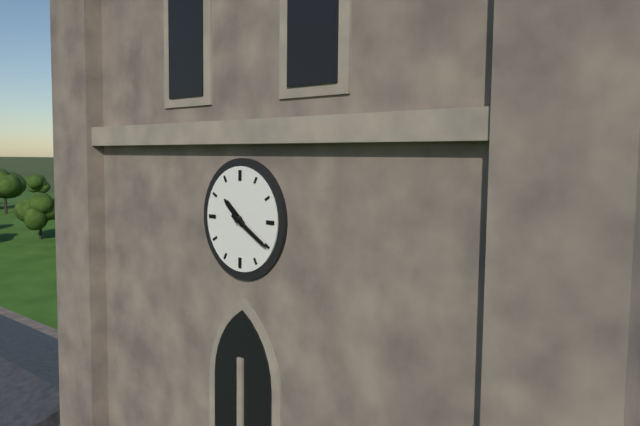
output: h=10 m=20
